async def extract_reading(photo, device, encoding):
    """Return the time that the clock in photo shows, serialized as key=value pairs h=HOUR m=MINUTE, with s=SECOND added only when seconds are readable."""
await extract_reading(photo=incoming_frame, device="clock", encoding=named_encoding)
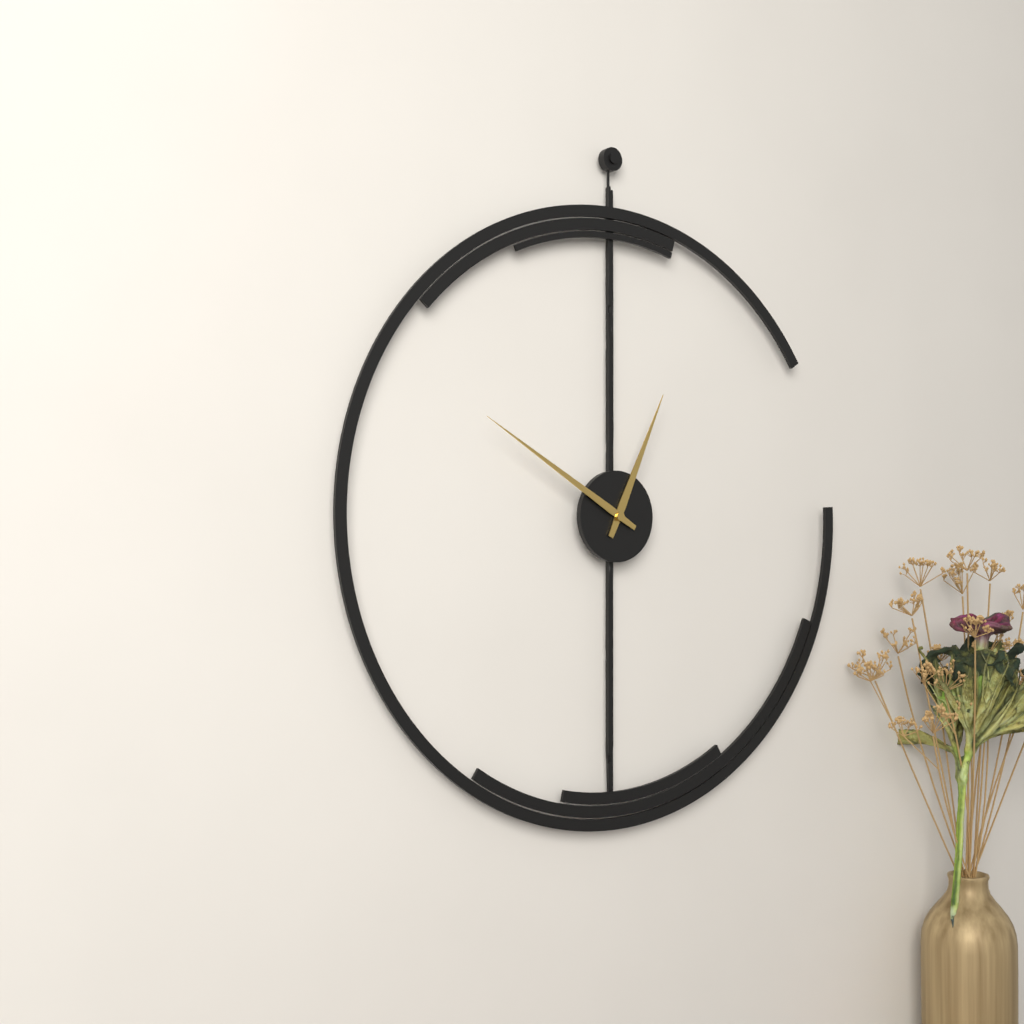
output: h=12 m=50
